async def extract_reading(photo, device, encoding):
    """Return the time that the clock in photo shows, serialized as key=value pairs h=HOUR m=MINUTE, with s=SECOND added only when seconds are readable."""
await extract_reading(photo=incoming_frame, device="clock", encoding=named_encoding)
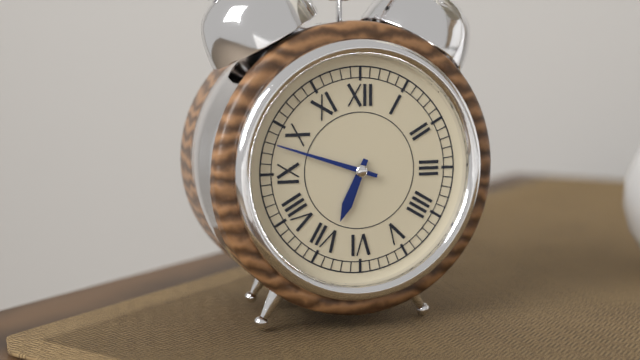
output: h=6 m=48
